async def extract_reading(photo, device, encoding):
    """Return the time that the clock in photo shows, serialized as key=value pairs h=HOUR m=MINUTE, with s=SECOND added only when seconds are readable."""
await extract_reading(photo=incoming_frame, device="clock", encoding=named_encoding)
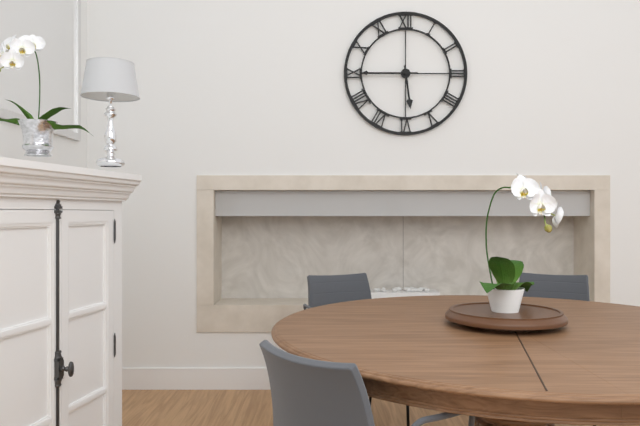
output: h=5 m=45
